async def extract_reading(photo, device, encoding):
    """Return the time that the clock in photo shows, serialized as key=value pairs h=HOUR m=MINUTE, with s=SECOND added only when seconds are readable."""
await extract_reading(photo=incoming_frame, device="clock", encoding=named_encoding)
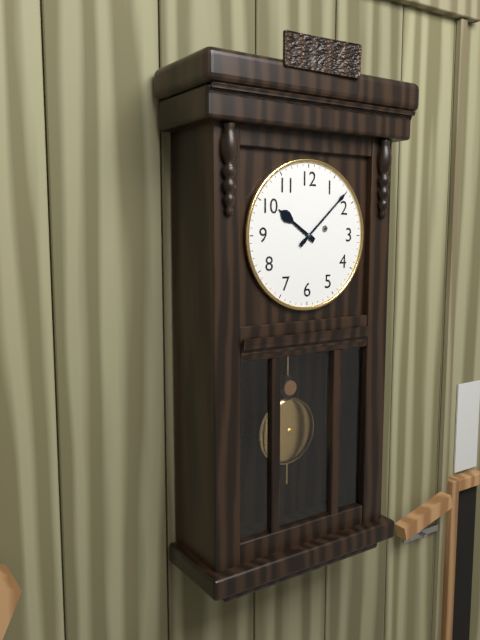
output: h=10 m=8
